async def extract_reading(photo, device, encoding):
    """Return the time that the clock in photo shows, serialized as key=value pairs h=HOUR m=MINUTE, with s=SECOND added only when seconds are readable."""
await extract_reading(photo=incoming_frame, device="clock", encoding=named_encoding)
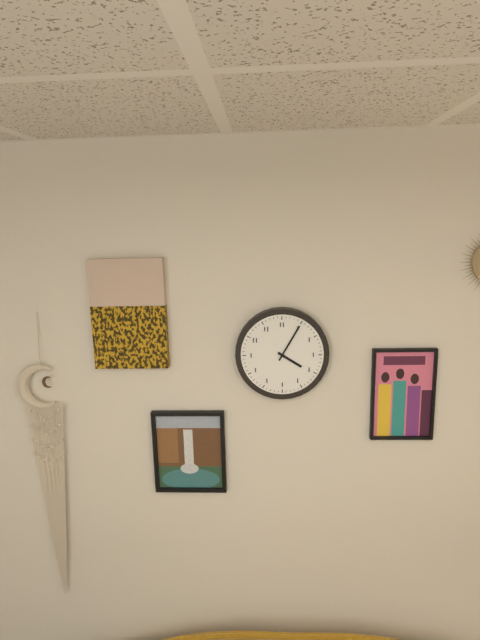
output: h=4 m=5
